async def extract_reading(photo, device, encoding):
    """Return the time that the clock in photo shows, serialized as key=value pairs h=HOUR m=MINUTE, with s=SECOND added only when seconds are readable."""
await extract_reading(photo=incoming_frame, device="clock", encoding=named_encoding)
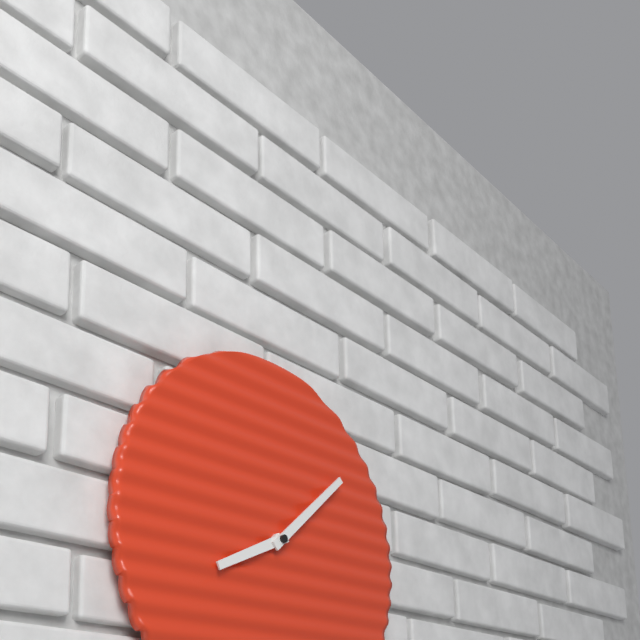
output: h=8 m=8
